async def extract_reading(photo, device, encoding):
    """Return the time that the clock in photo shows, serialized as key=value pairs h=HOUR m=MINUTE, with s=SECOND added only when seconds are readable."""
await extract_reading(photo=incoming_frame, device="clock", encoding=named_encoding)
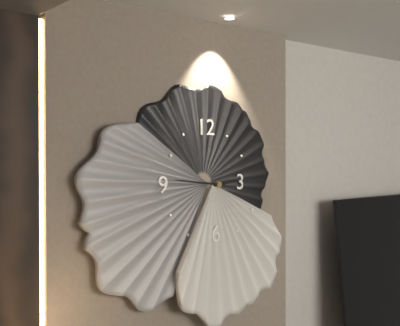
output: h=2 m=46
